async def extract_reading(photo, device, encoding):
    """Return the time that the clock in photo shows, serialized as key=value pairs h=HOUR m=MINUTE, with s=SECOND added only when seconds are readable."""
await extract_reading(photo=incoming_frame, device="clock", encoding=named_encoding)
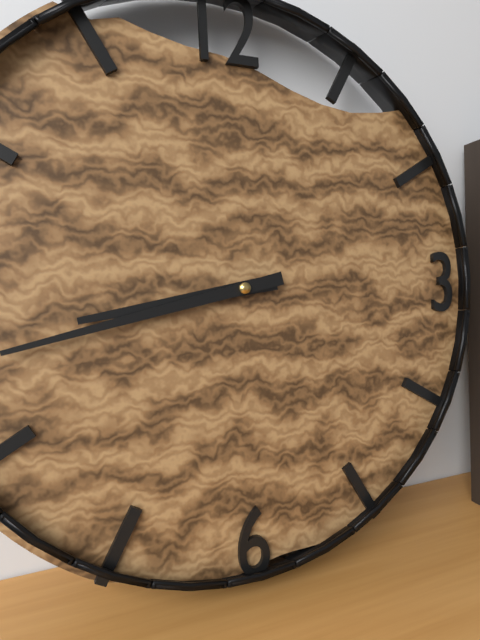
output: h=8 m=43
